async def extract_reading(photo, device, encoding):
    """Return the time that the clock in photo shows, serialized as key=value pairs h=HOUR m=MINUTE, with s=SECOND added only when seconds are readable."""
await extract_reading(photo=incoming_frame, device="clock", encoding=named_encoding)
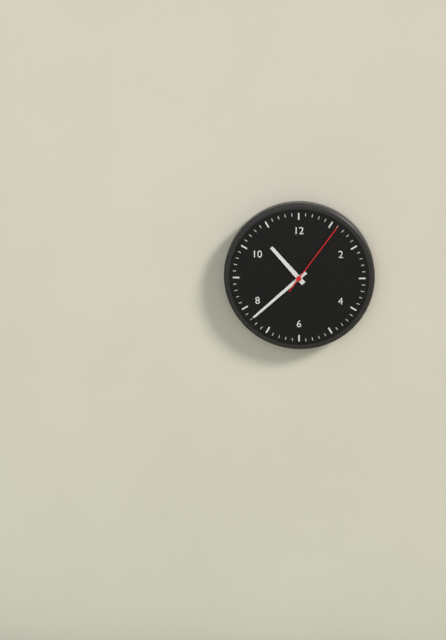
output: h=10 m=38 s=6
